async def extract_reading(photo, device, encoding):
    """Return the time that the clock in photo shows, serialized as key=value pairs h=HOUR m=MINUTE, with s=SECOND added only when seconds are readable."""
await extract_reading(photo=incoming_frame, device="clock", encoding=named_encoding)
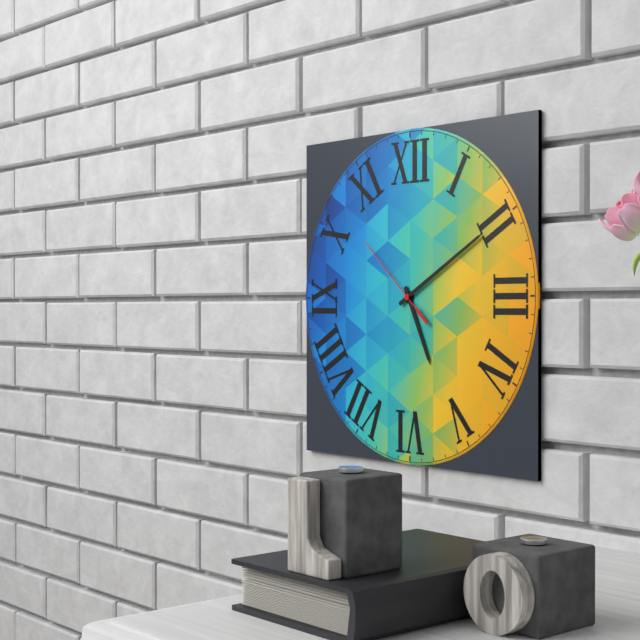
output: h=5 m=10 s=52
